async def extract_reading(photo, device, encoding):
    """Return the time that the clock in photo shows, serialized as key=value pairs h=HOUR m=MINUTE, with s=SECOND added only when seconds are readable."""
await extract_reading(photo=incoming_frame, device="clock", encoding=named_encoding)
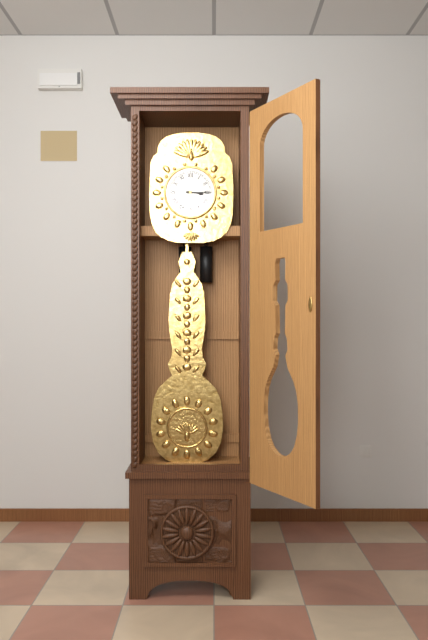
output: h=3 m=15
